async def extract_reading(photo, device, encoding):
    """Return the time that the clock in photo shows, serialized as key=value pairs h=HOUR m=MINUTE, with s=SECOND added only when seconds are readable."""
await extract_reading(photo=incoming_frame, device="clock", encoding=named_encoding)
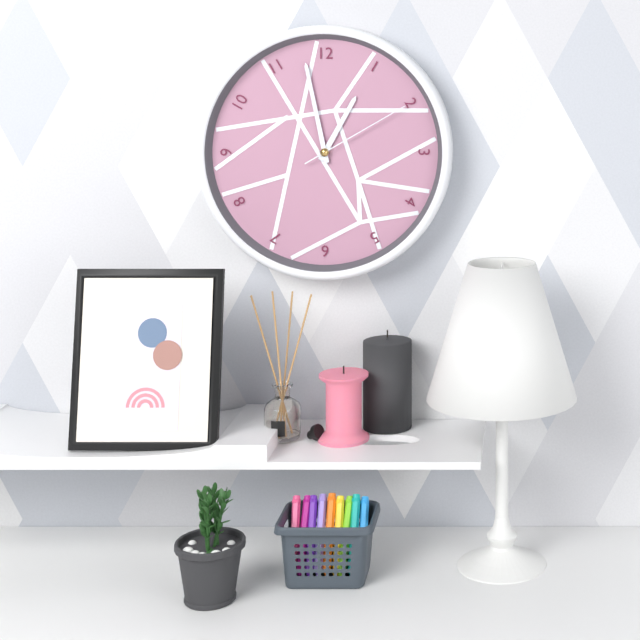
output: h=12 m=58 s=10
